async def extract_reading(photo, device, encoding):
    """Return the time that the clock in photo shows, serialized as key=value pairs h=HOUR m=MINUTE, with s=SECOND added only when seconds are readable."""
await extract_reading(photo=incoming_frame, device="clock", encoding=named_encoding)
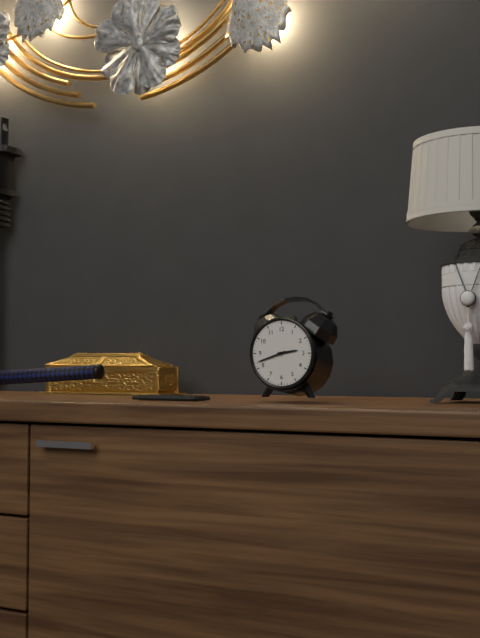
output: h=2 m=42
